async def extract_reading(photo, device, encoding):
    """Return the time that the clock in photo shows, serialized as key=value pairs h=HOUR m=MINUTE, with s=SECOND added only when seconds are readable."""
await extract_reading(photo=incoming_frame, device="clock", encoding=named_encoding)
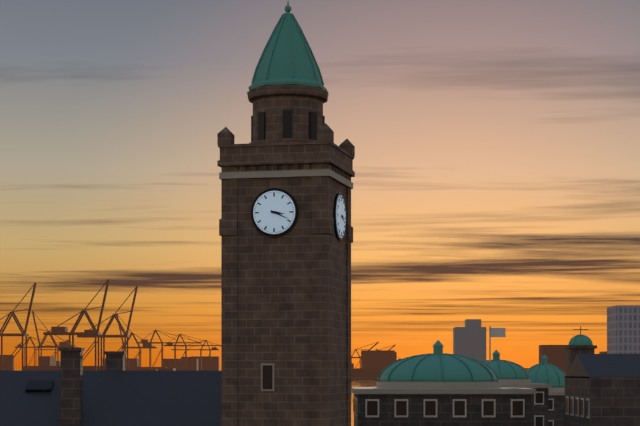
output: h=3 m=19
